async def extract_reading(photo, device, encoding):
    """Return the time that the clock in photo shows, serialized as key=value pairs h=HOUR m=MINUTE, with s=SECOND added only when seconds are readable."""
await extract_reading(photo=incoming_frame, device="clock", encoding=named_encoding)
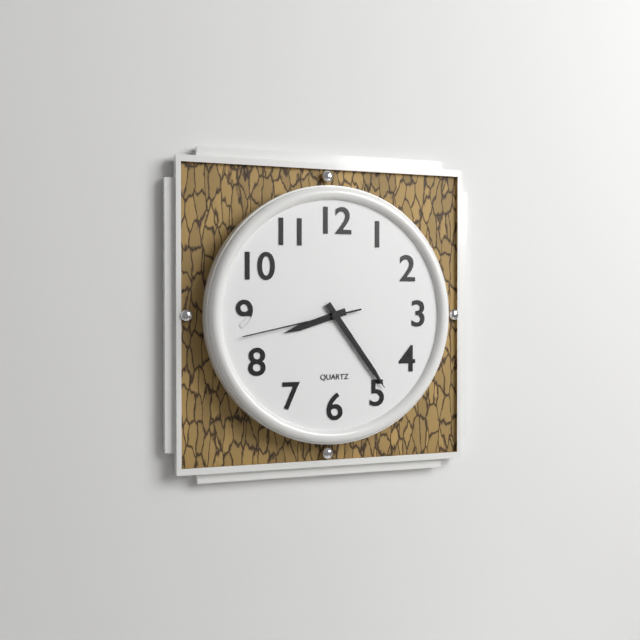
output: h=8 m=24 s=43
